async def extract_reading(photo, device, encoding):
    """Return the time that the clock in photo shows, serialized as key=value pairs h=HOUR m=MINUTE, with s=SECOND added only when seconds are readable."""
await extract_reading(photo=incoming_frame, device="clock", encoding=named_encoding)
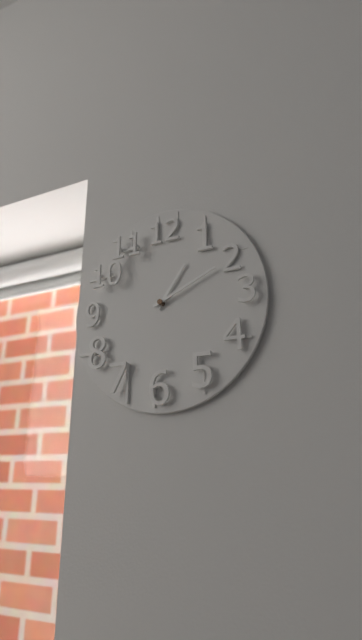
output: h=1 m=11
